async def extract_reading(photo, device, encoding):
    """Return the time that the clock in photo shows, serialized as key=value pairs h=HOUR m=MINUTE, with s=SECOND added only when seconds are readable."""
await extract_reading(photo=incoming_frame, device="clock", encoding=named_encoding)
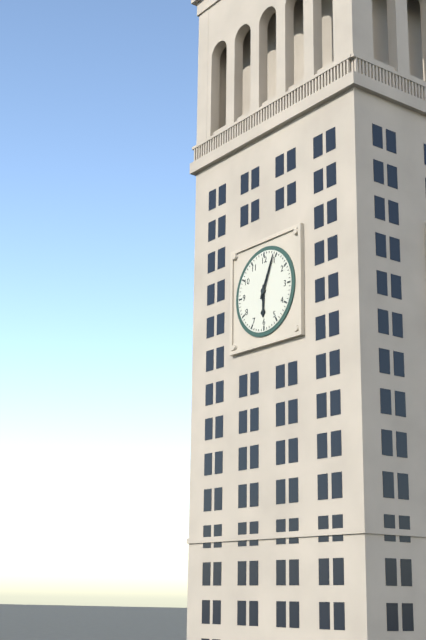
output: h=6 m=4
